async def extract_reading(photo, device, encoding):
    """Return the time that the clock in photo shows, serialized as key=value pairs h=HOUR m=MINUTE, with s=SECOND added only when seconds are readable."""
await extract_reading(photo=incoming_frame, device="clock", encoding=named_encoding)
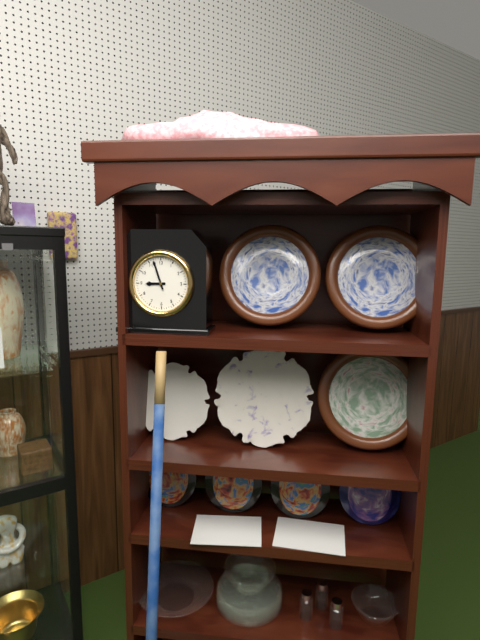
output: h=8 m=57
